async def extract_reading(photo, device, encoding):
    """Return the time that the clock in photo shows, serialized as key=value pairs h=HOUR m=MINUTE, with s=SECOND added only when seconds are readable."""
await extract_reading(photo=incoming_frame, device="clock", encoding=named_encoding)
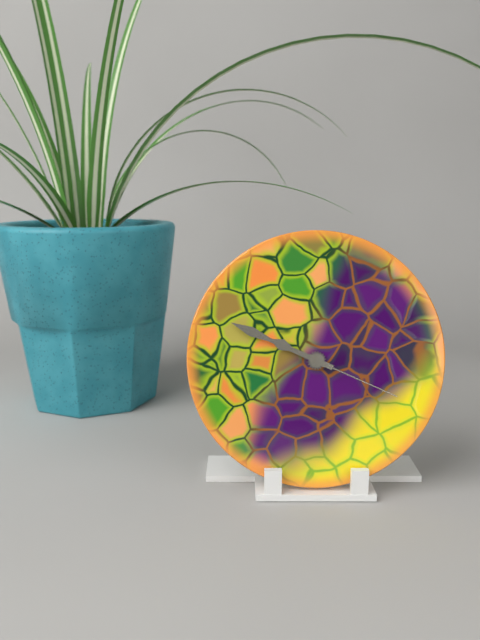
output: h=9 m=49 s=19
